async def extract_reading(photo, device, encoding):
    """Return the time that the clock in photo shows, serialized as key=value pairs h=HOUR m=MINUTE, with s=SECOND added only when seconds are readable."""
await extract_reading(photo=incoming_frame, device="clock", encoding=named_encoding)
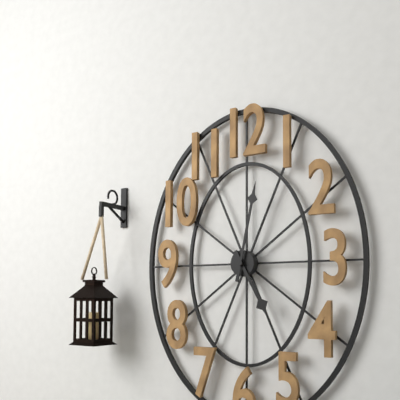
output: h=5 m=2
